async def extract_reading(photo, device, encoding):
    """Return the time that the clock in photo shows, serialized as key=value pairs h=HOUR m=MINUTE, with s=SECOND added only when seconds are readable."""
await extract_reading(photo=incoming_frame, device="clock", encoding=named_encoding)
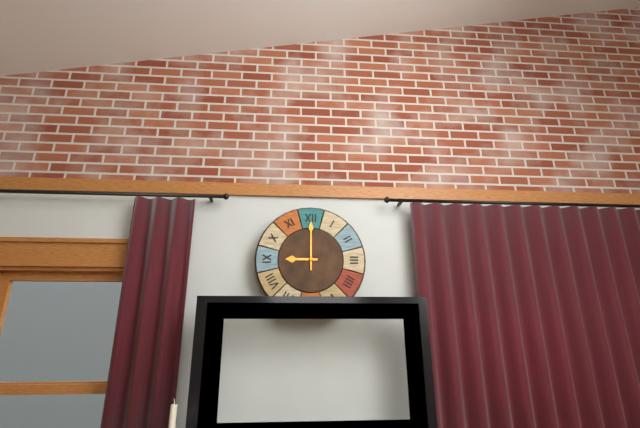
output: h=9 m=0
